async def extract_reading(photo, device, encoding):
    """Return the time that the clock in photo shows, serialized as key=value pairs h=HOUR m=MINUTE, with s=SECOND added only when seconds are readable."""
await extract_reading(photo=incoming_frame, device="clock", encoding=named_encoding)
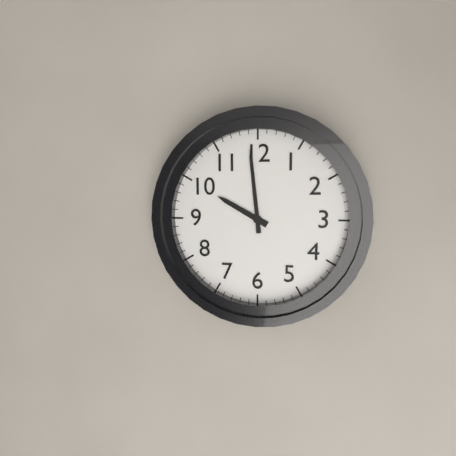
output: h=9 m=59
